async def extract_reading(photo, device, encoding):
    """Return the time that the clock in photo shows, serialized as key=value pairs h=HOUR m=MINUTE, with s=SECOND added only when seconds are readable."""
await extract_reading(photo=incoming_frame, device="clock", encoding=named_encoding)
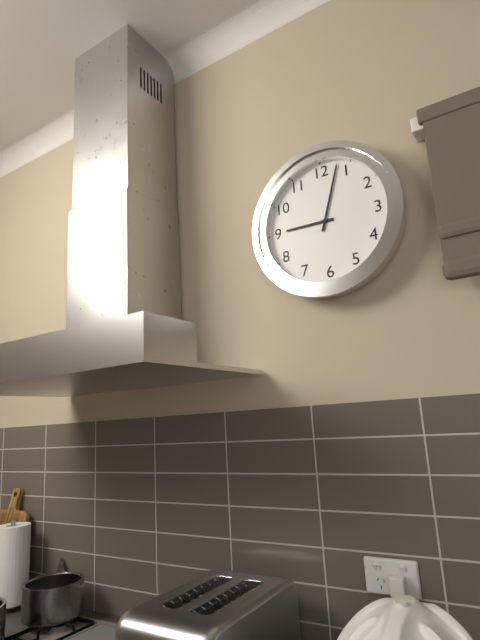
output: h=9 m=3
